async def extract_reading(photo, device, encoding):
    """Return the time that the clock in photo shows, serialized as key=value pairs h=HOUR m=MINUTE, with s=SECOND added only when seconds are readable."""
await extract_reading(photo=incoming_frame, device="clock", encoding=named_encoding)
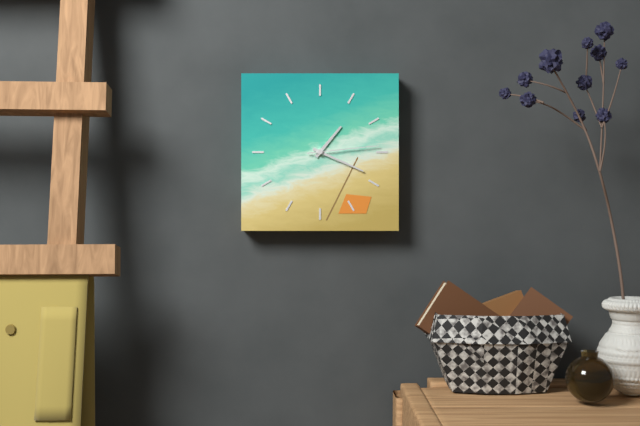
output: h=1 m=19 s=14
